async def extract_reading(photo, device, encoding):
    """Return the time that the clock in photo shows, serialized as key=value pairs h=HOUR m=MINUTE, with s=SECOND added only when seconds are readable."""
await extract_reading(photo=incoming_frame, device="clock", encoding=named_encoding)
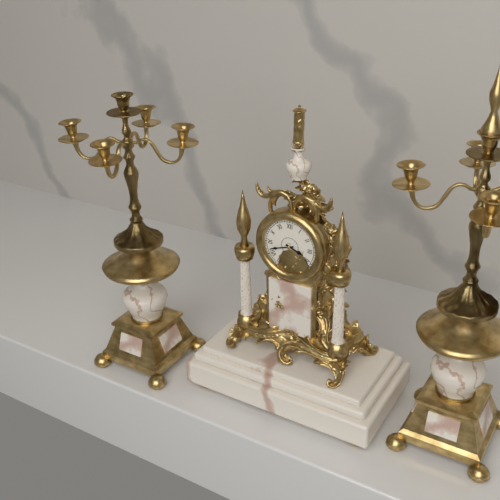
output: h=3 m=42
